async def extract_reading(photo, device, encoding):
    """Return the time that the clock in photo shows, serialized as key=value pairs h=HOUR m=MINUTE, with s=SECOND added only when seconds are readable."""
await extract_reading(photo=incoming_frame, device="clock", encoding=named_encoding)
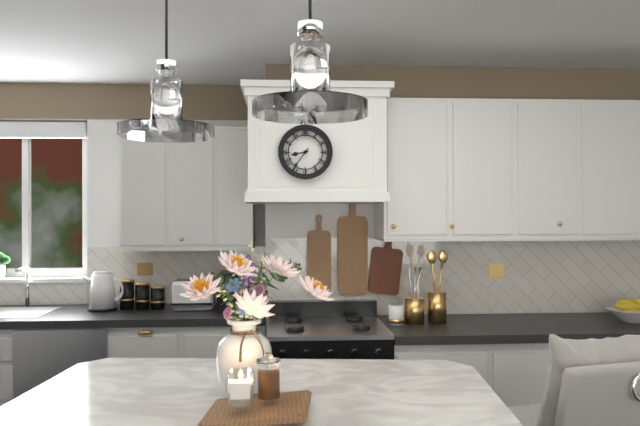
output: h=8 m=36
